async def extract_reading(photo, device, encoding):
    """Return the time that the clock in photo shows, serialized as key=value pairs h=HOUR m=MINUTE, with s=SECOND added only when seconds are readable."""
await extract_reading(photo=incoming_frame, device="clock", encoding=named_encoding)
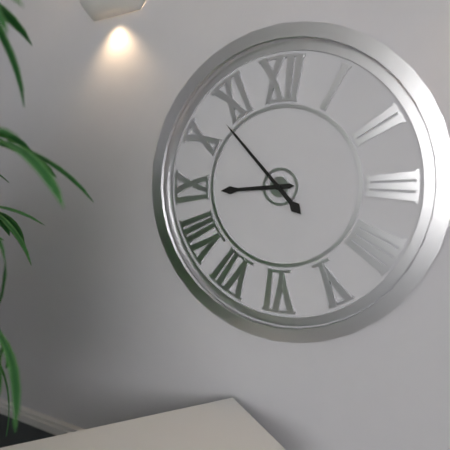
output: h=8 m=53
